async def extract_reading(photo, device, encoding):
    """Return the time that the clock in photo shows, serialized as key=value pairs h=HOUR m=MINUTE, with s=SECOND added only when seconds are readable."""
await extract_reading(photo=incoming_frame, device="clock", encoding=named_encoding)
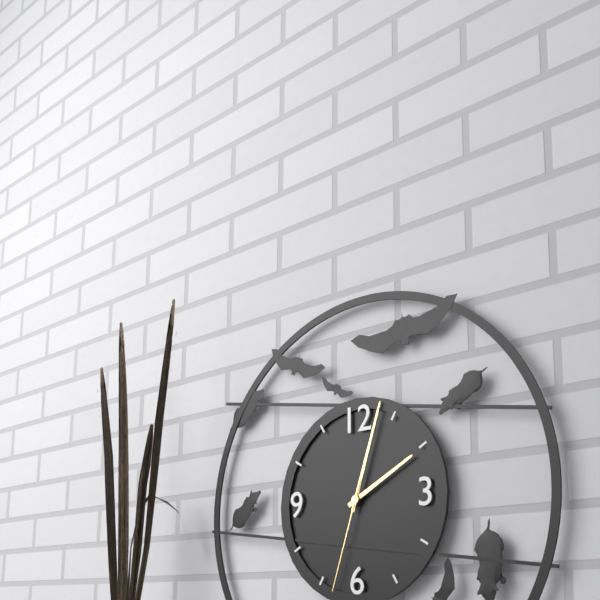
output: h=2 m=3 s=33
